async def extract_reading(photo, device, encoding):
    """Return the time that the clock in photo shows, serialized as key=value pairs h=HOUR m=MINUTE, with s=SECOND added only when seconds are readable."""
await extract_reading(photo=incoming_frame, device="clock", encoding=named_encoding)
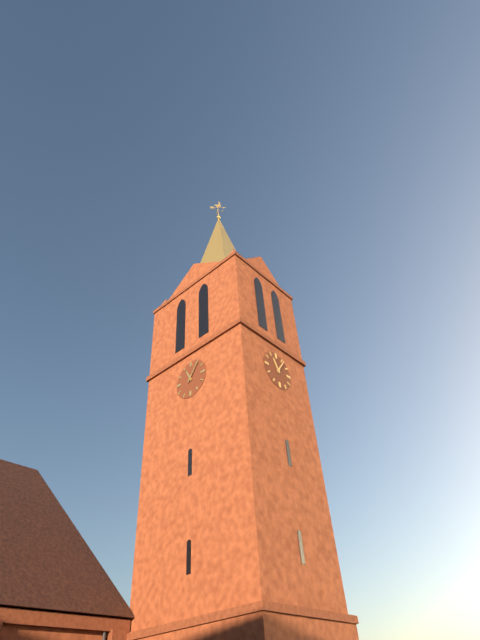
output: h=11 m=6
